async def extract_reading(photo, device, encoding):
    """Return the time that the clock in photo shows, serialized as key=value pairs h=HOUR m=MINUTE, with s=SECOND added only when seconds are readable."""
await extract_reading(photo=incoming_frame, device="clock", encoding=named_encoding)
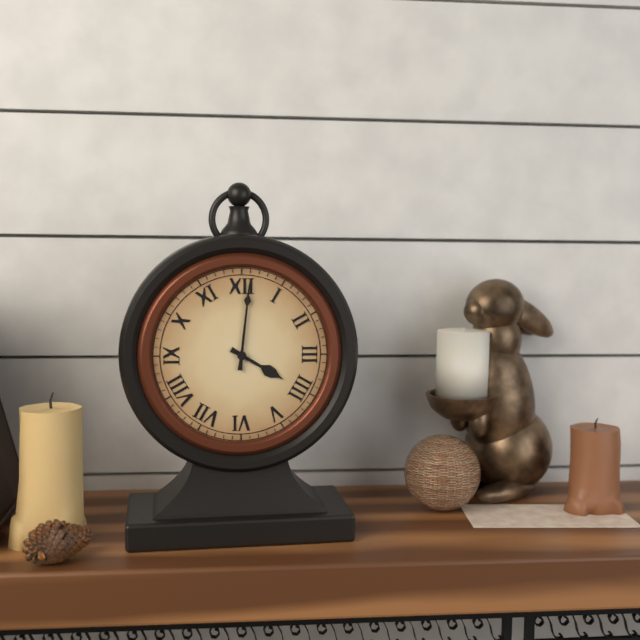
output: h=4 m=1
